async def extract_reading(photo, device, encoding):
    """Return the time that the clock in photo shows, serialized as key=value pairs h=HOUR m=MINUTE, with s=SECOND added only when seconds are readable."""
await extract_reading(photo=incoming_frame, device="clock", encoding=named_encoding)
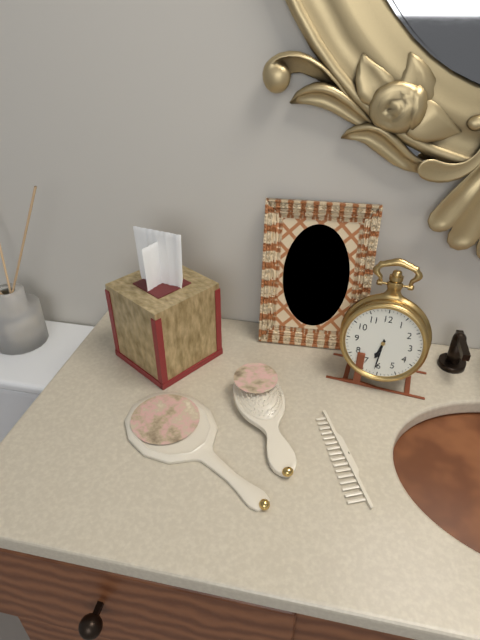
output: h=6 m=31
